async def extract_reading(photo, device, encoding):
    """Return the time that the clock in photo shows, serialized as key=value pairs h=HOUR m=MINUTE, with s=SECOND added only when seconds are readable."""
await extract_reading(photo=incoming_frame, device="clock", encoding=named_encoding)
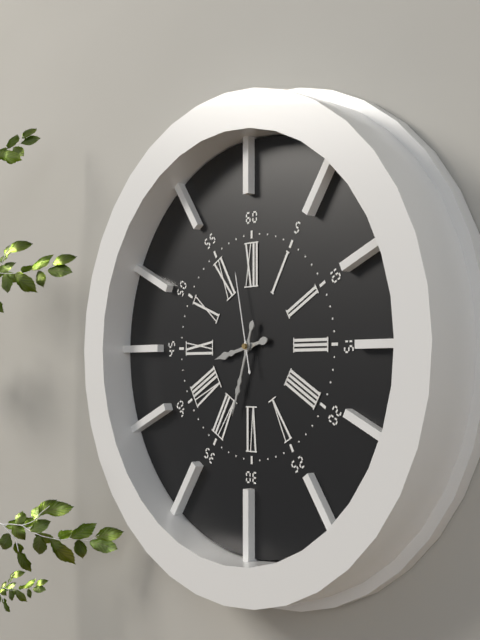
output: h=8 m=33 s=58
